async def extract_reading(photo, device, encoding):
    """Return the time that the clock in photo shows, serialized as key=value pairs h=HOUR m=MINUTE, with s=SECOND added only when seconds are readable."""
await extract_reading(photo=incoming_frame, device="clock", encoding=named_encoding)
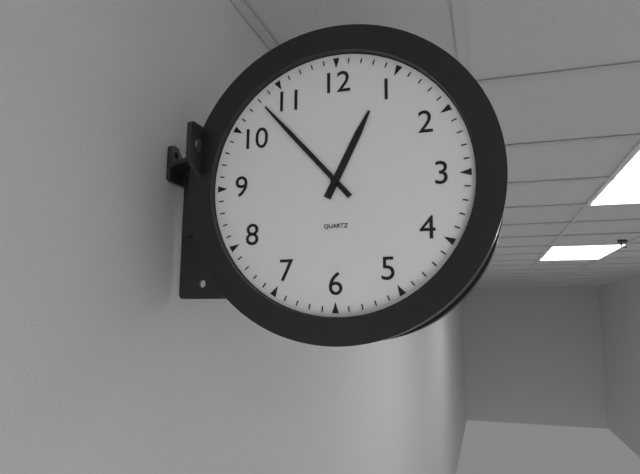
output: h=12 m=53
